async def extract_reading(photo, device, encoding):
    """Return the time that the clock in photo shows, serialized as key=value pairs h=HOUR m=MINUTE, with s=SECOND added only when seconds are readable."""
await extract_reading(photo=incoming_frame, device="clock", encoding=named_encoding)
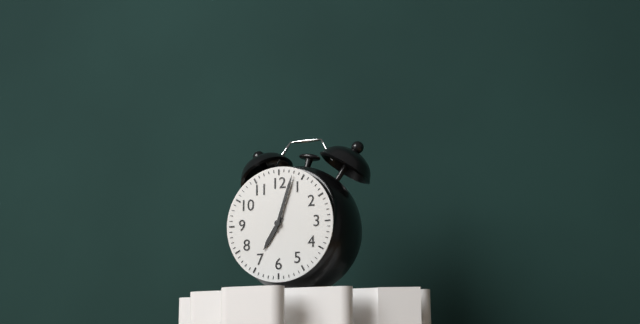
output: h=7 m=3
